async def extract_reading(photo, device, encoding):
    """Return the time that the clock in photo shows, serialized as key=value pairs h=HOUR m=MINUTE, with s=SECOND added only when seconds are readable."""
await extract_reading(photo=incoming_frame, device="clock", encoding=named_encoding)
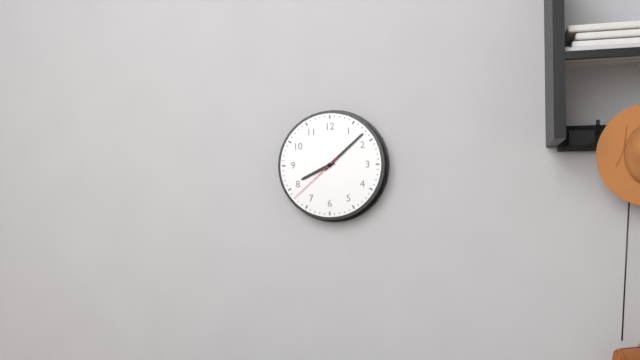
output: h=8 m=8 s=38
